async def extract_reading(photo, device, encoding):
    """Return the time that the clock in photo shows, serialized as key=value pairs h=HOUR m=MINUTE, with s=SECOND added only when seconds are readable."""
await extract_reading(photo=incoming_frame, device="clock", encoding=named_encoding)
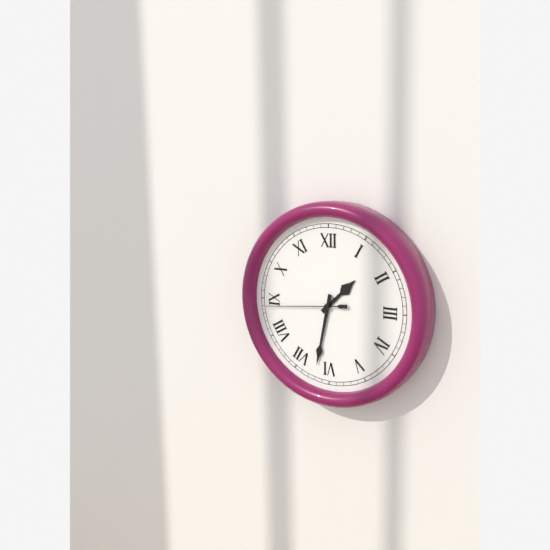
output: h=1 m=32 s=44
